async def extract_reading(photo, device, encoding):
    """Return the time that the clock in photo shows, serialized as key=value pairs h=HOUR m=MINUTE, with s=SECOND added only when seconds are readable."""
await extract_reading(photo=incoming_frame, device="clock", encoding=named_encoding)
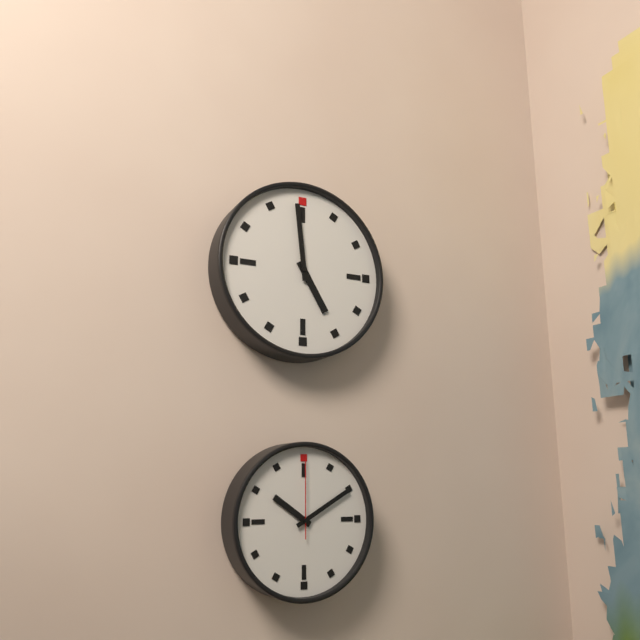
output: h=4 m=59
